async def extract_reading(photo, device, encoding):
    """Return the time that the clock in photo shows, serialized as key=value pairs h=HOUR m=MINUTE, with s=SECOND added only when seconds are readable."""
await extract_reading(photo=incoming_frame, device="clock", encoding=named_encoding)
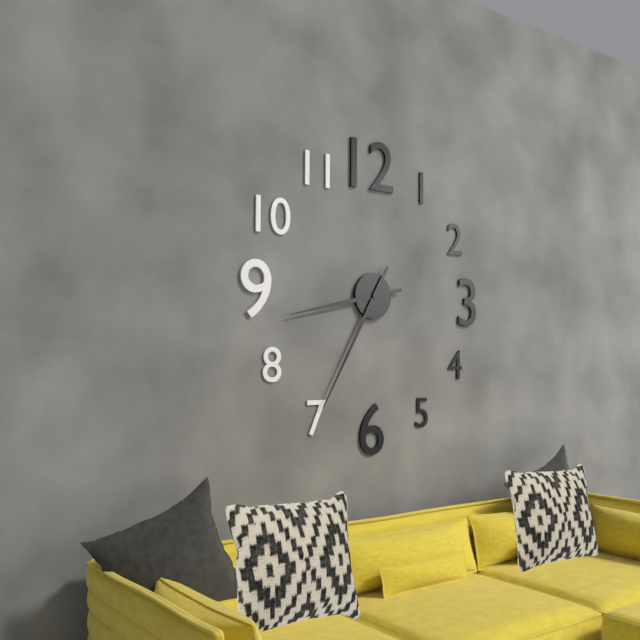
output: h=8 m=35
